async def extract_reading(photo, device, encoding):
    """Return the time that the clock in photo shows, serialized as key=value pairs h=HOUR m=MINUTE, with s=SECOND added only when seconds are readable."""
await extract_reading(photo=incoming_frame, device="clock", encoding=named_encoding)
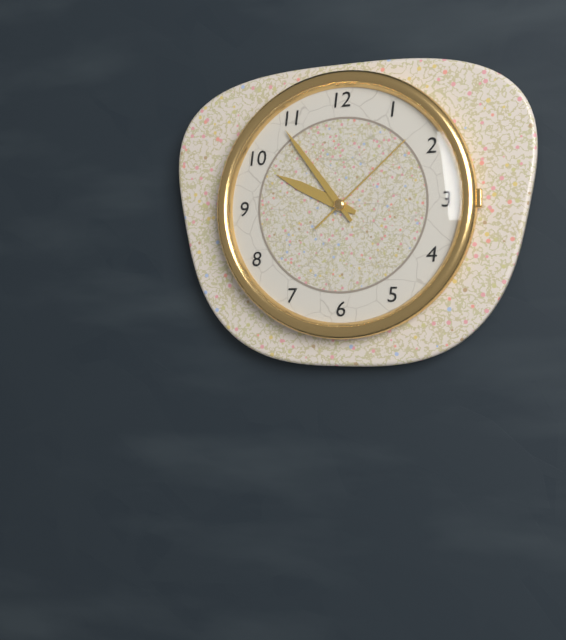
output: h=9 m=54 s=8
